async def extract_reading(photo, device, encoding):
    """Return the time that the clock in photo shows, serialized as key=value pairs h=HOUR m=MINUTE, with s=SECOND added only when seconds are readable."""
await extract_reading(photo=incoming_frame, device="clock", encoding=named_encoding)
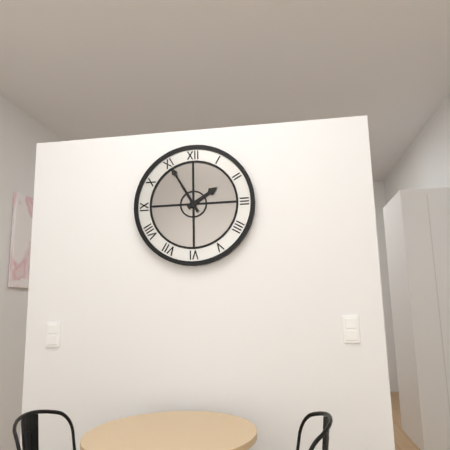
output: h=1 m=55
